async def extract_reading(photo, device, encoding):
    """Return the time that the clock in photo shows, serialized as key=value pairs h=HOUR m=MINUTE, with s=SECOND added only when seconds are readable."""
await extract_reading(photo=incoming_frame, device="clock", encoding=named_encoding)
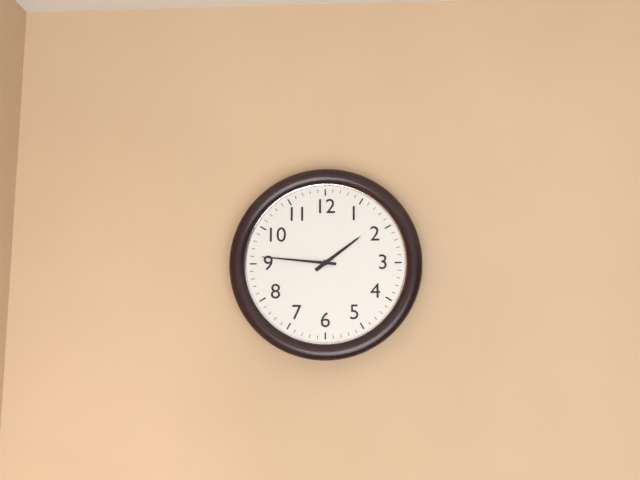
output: h=1 m=46
